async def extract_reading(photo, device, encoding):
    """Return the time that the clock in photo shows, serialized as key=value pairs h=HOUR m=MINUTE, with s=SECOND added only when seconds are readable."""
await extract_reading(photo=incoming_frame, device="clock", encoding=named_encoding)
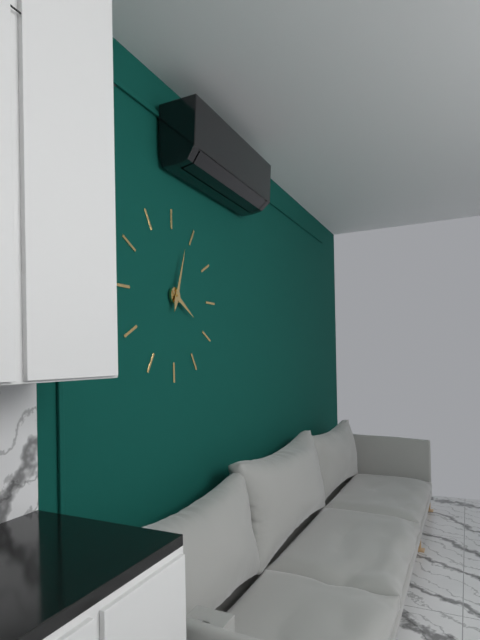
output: h=4 m=3
